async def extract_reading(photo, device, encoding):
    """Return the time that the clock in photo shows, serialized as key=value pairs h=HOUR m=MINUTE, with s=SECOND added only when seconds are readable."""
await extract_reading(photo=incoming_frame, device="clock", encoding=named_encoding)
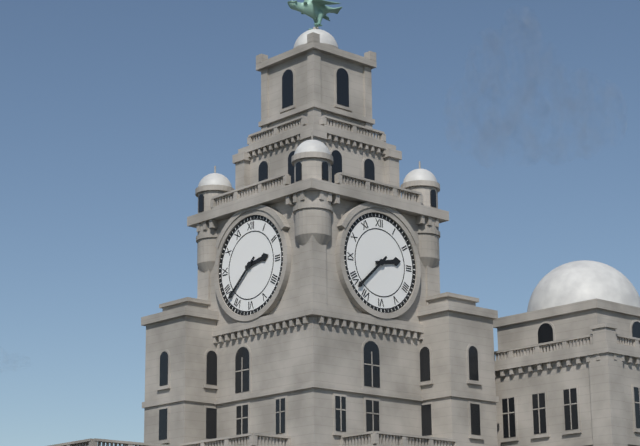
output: h=2 m=38
